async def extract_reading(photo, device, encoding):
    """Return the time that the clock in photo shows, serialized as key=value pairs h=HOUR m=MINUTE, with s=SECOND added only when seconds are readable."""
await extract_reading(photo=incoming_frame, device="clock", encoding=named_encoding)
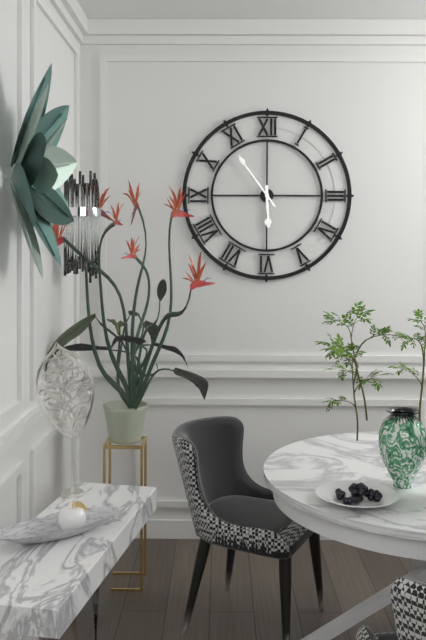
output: h=5 m=54
